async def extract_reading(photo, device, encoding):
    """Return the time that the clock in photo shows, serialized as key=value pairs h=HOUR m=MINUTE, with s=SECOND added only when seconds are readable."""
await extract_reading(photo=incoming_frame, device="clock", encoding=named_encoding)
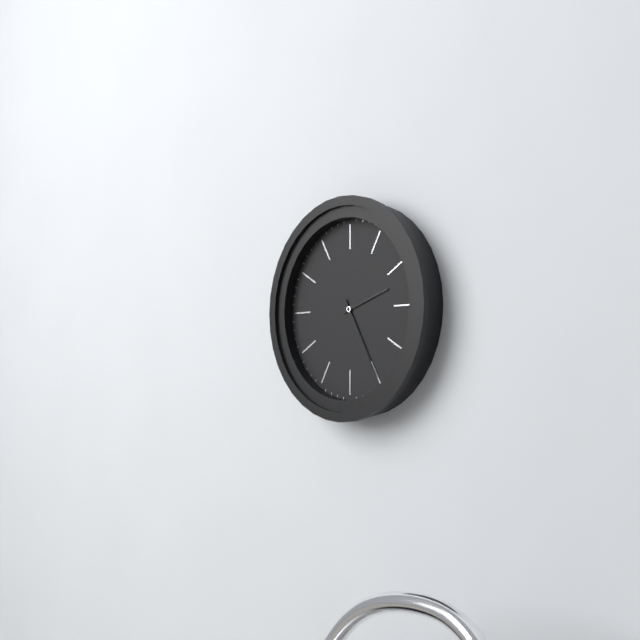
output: h=2 m=25
